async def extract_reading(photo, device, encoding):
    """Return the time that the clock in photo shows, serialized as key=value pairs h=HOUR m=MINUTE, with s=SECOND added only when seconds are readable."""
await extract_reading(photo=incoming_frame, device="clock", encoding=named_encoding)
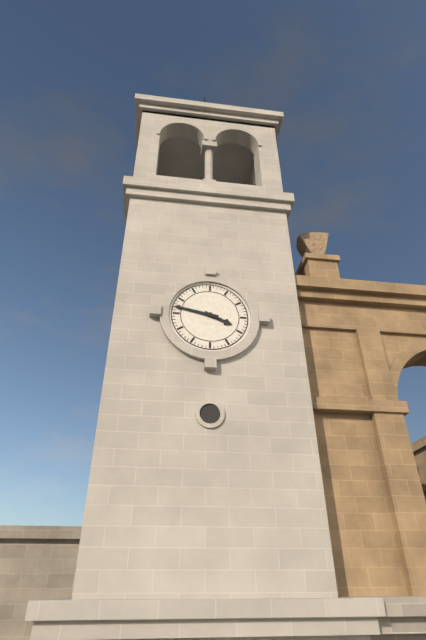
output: h=3 m=47
